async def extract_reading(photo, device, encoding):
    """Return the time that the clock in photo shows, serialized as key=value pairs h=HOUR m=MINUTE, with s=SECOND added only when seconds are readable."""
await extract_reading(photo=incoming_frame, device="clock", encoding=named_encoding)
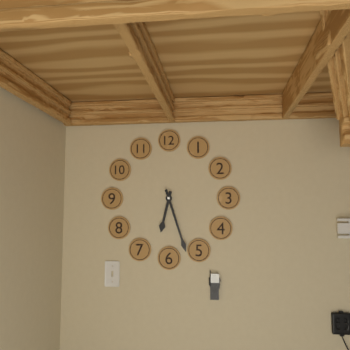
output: h=6 m=27
